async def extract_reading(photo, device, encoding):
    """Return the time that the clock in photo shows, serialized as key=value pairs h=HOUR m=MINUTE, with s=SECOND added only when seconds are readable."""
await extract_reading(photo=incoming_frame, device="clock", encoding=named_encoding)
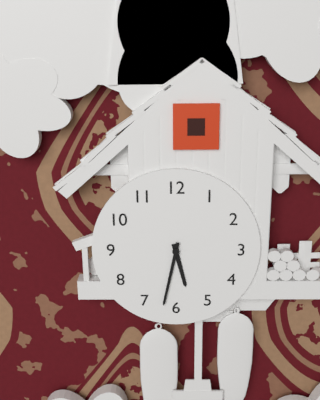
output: h=5 m=32
